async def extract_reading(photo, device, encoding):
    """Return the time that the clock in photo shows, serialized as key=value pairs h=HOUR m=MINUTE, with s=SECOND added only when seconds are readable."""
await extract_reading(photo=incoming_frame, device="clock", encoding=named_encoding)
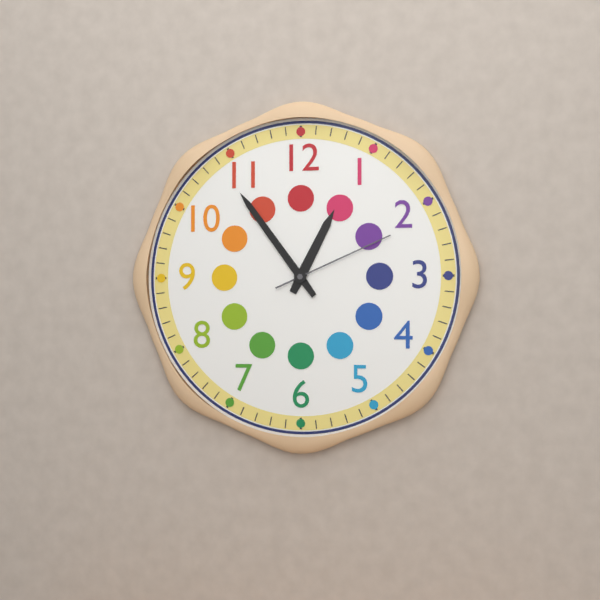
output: h=12 m=54 s=11
